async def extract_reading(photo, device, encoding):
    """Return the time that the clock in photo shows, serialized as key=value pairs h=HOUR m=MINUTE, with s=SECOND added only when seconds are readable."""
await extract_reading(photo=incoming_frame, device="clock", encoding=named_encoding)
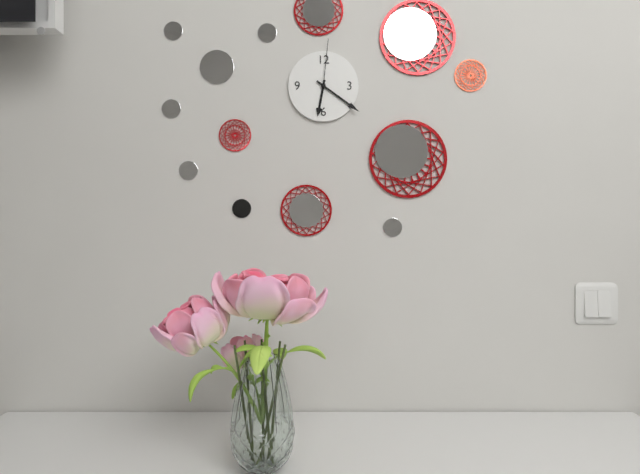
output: h=6 m=21 s=1
